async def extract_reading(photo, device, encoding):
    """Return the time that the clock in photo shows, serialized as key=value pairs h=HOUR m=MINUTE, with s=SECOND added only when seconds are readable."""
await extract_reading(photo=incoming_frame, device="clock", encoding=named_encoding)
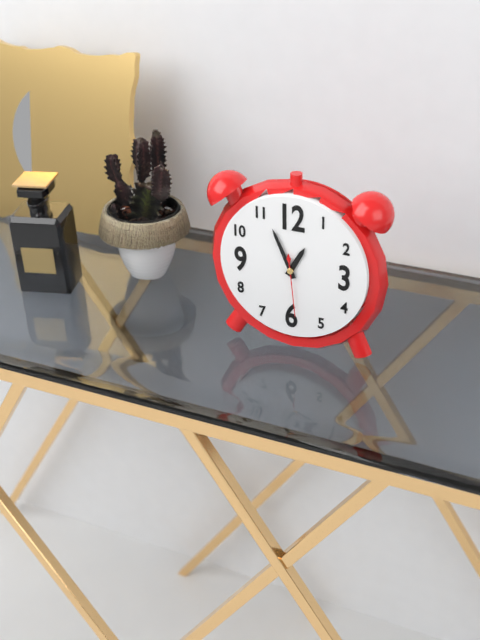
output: h=12 m=56 s=29
